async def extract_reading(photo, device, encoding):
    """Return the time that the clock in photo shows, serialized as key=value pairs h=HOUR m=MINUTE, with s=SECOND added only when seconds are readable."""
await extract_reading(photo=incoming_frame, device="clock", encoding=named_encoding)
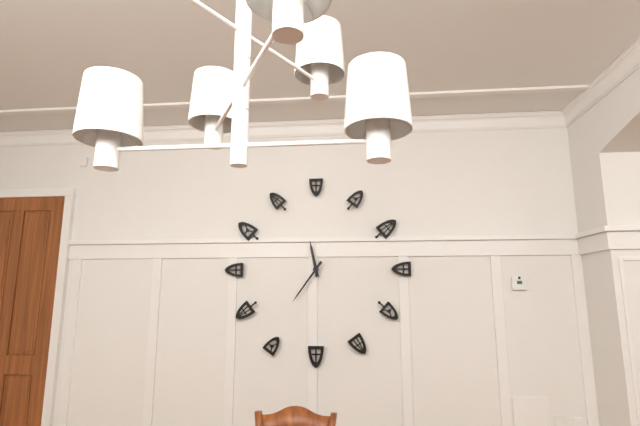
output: h=11 m=36
